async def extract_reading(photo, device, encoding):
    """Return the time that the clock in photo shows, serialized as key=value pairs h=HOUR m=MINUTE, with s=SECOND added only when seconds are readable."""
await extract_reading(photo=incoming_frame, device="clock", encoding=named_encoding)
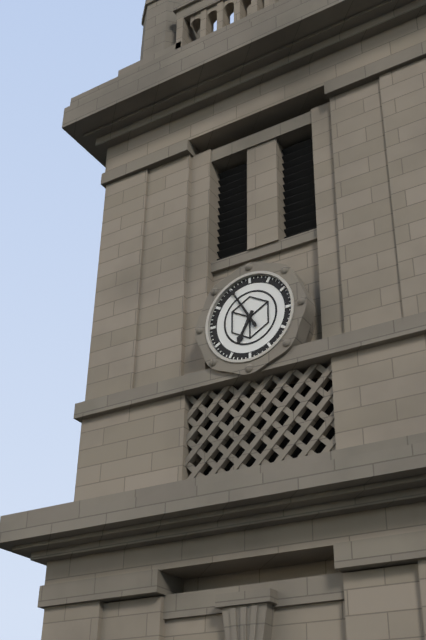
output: h=6 m=55
